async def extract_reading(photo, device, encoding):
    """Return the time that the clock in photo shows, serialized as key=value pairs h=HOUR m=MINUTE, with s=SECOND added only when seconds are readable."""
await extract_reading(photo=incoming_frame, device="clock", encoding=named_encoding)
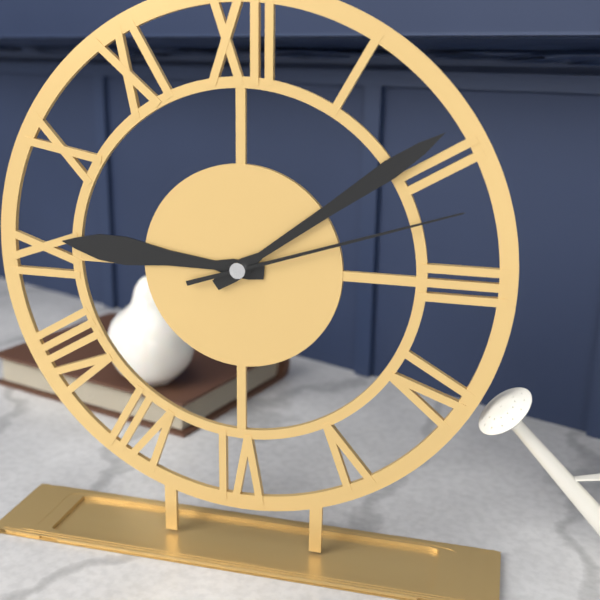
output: h=9 m=9 s=12
